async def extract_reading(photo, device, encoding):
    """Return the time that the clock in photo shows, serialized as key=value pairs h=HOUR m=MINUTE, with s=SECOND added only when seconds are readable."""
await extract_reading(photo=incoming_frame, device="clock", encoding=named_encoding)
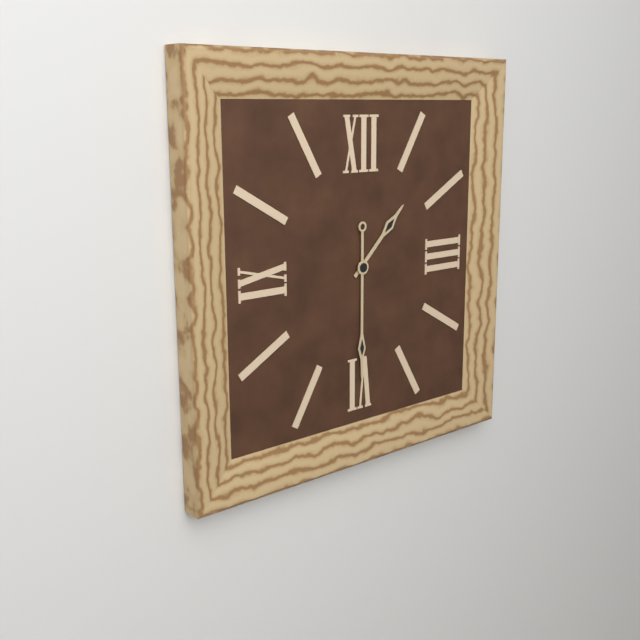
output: h=1 m=30
